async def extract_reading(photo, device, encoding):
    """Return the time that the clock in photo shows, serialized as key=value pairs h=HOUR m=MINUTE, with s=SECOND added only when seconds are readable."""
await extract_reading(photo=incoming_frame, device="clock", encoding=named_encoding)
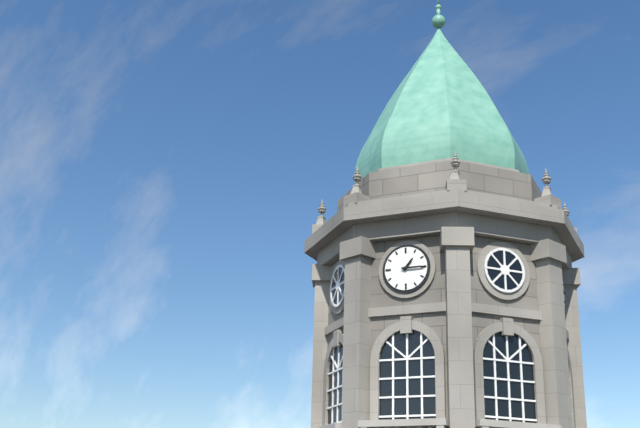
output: h=1 m=15
